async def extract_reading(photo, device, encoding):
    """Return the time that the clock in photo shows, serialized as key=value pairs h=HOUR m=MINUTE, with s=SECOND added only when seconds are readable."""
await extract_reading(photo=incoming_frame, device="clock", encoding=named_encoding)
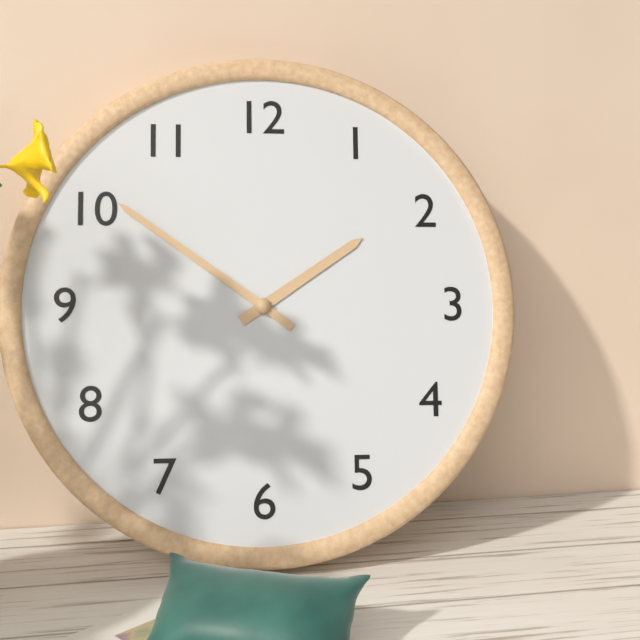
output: h=1 m=51
